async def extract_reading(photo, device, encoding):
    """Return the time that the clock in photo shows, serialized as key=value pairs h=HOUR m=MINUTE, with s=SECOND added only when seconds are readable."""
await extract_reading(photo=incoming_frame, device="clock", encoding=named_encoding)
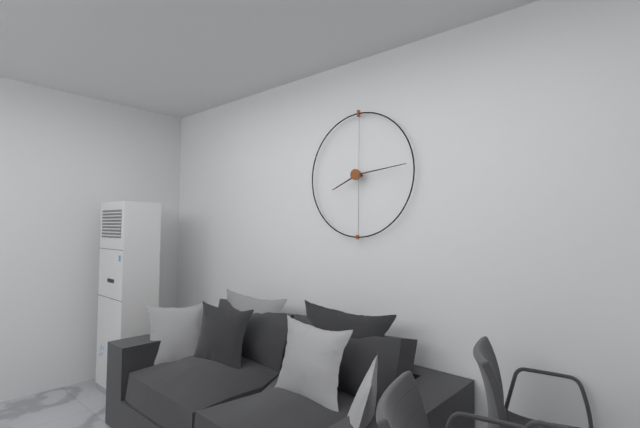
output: h=8 m=14
